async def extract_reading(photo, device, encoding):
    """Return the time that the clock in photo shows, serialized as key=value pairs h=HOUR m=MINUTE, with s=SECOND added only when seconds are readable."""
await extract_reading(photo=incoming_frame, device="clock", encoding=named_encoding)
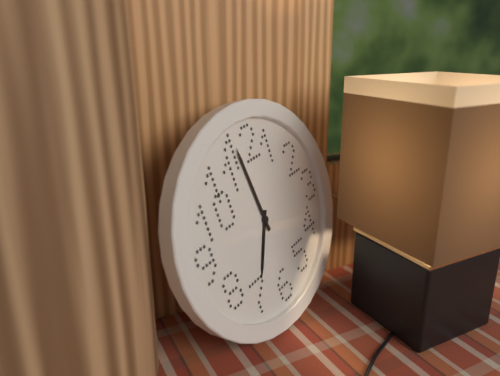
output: h=6 m=59
